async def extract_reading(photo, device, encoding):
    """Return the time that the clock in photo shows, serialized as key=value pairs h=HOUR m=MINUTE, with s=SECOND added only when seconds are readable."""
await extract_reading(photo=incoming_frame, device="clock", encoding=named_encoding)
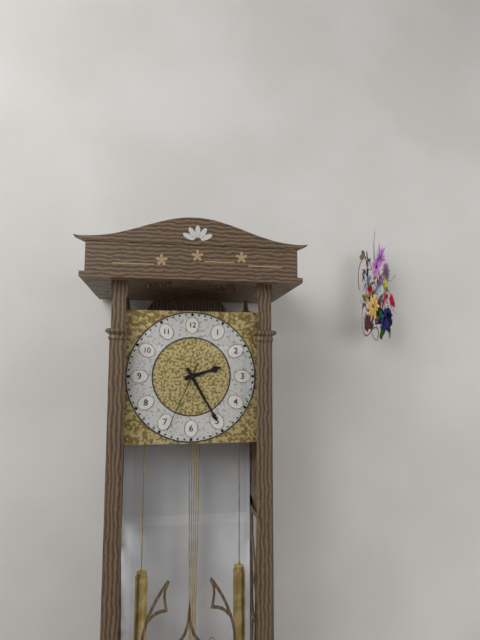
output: h=2 m=25 s=34
